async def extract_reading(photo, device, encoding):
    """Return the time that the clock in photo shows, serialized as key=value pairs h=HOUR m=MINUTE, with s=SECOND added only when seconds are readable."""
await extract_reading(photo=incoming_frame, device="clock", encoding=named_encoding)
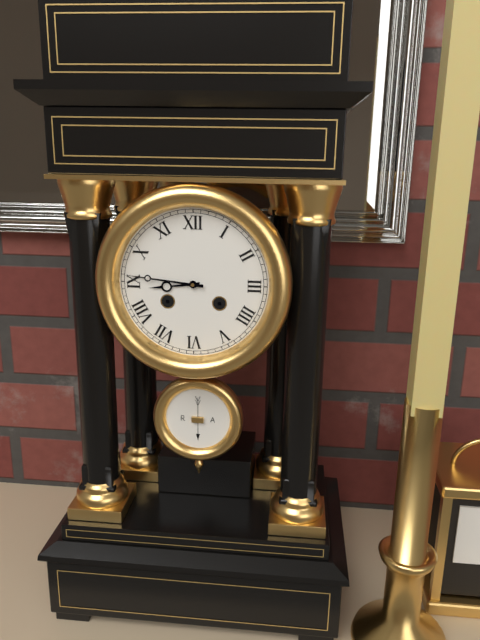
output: h=8 m=46
